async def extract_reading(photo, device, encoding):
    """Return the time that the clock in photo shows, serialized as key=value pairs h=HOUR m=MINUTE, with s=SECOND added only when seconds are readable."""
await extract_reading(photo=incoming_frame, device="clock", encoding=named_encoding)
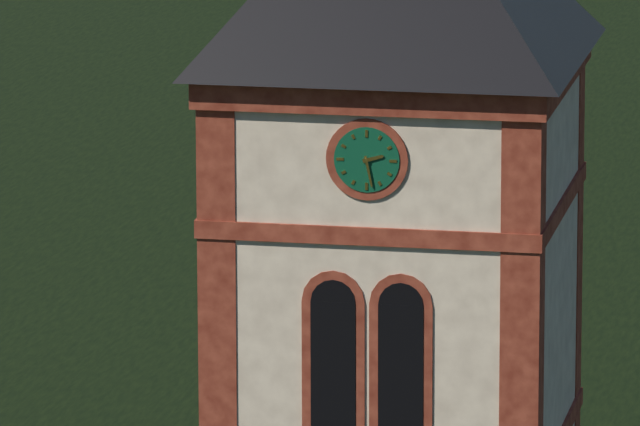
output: h=2 m=28
